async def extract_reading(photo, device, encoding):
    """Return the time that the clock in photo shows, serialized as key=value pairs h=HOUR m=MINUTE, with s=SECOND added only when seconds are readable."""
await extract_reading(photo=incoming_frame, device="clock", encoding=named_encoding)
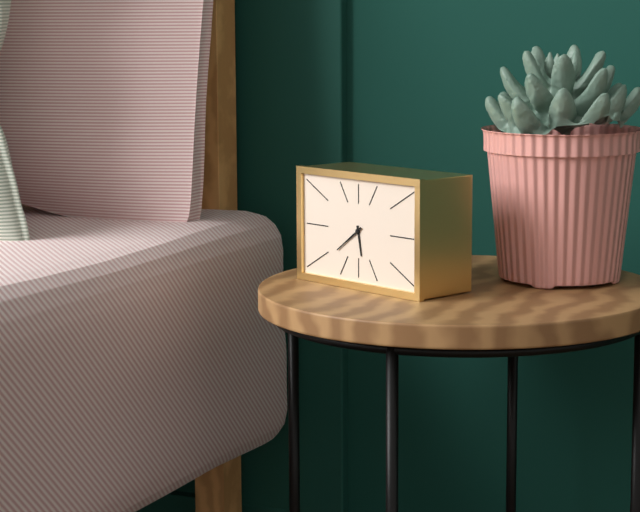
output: h=5 m=39
